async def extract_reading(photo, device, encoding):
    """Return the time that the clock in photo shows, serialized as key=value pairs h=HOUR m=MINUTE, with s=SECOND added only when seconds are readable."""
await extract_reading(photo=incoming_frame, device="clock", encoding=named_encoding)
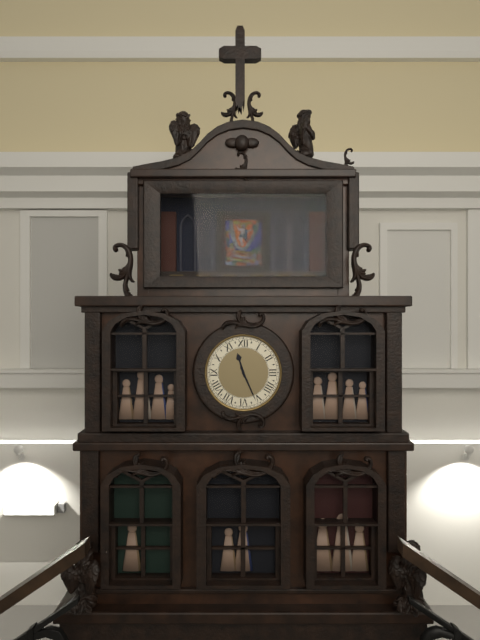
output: h=11 m=26
